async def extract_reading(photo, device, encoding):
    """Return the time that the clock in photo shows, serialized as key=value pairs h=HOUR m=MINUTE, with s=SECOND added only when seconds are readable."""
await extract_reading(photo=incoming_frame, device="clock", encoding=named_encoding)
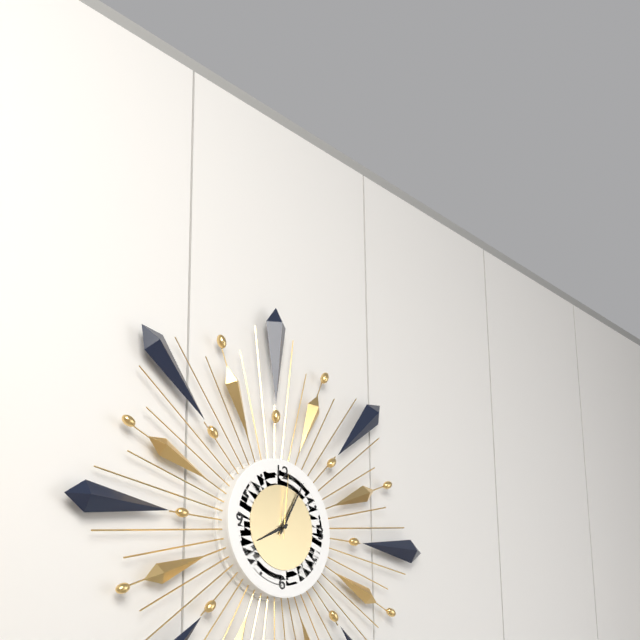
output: h=8 m=5 s=1
